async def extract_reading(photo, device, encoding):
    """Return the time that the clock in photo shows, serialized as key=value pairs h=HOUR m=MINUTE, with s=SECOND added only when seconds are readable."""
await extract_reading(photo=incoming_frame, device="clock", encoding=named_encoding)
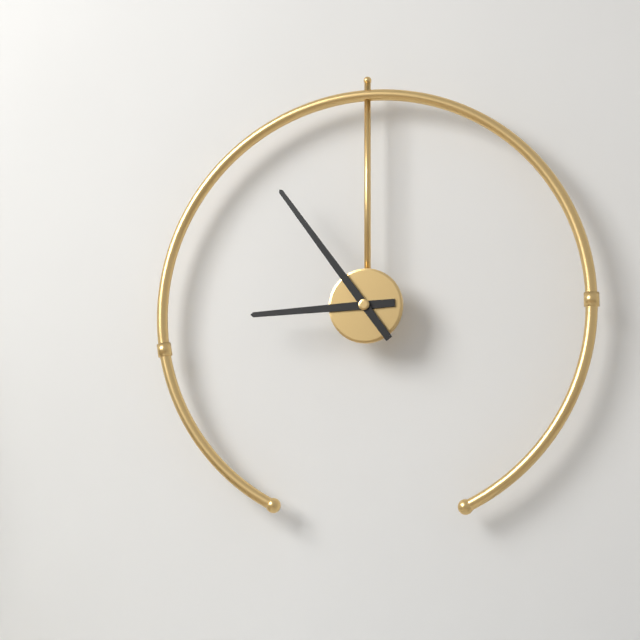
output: h=8 m=54
